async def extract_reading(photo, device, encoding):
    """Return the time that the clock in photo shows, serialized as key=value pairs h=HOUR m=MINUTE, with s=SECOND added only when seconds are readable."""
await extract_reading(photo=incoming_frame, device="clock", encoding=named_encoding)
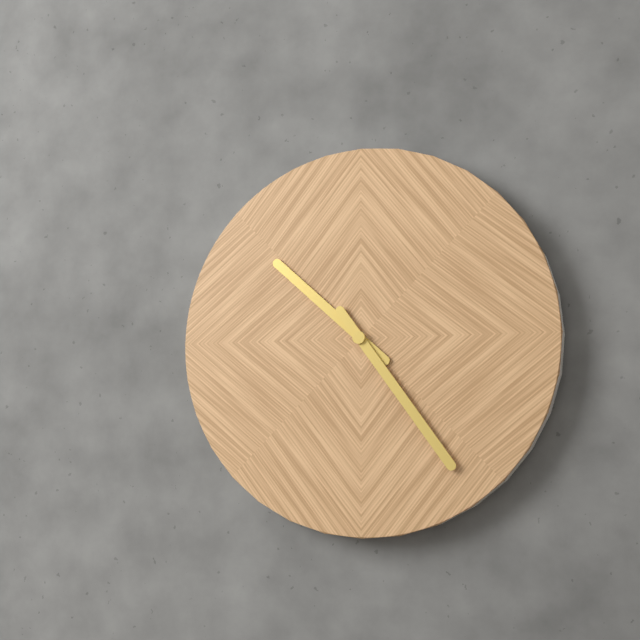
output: h=10 m=24
